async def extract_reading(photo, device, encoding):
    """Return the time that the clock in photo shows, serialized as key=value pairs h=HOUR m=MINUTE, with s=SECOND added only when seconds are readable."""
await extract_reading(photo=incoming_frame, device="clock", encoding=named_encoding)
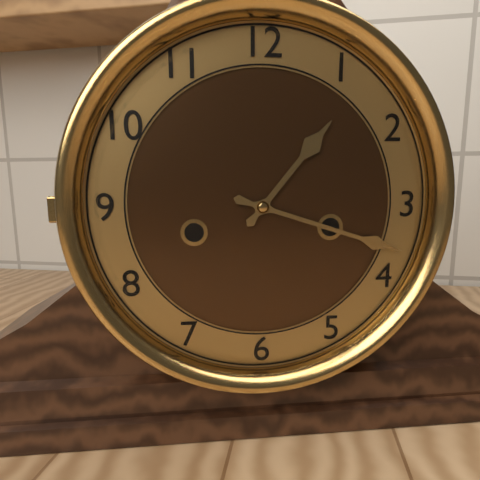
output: h=1 m=18
